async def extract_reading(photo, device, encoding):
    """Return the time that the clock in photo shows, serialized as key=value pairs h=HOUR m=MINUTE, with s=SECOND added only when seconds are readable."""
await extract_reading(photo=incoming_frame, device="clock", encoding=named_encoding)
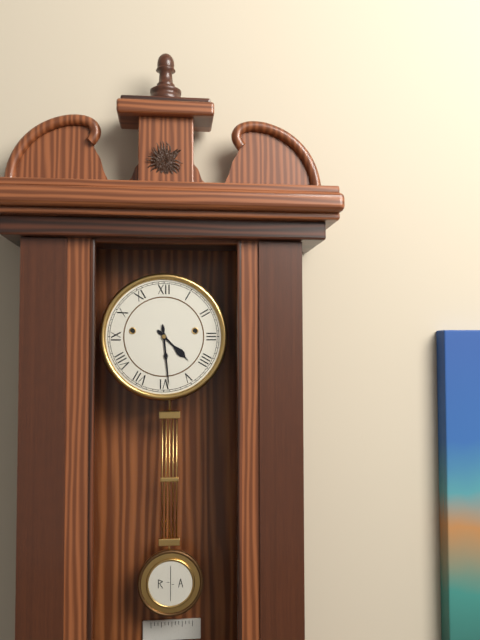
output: h=4 m=29
